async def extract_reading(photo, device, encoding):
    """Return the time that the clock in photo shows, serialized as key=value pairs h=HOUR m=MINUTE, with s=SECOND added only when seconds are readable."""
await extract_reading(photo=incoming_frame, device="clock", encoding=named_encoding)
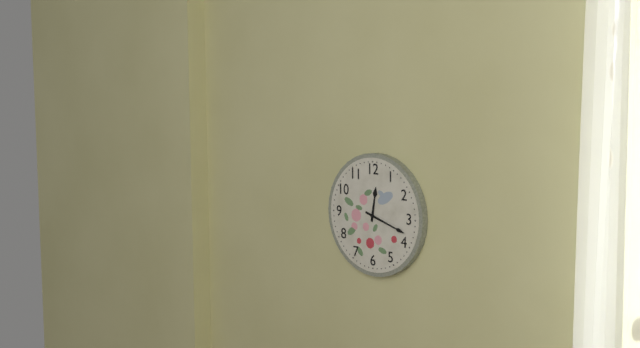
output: h=12 m=18
